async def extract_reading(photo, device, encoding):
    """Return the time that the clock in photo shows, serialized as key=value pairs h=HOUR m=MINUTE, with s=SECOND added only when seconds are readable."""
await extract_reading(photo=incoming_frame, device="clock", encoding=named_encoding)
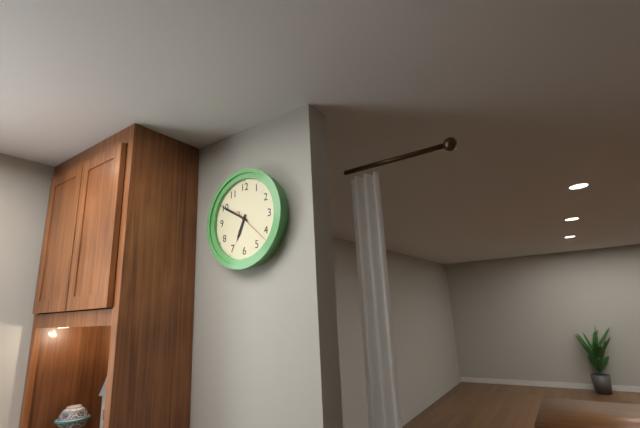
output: h=6 m=50
